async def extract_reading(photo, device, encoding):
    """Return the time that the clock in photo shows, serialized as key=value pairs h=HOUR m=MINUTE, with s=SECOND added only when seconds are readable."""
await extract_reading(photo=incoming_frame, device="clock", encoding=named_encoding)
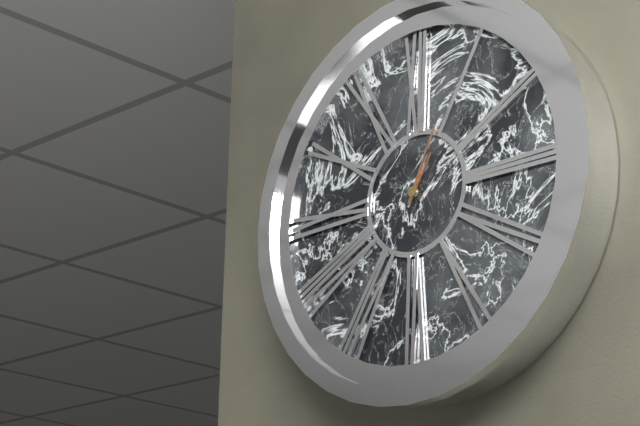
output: h=1 m=4
